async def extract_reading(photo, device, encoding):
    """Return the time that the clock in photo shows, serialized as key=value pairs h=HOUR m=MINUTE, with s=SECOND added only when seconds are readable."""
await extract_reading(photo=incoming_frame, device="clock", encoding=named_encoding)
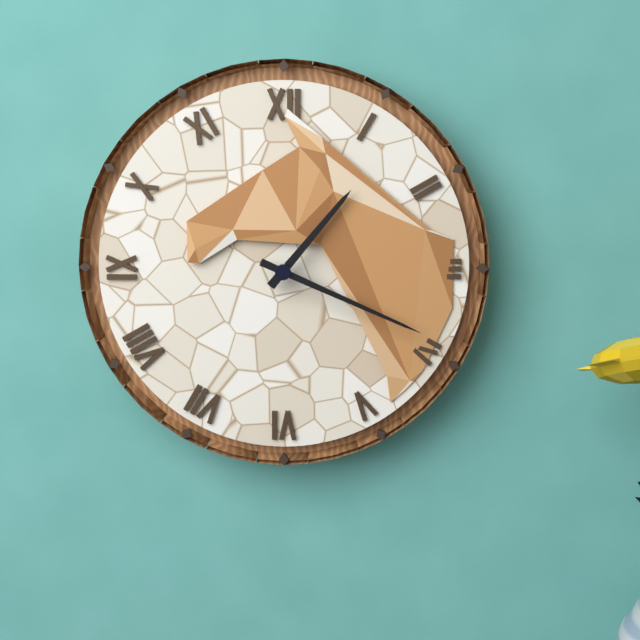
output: h=1 m=19
